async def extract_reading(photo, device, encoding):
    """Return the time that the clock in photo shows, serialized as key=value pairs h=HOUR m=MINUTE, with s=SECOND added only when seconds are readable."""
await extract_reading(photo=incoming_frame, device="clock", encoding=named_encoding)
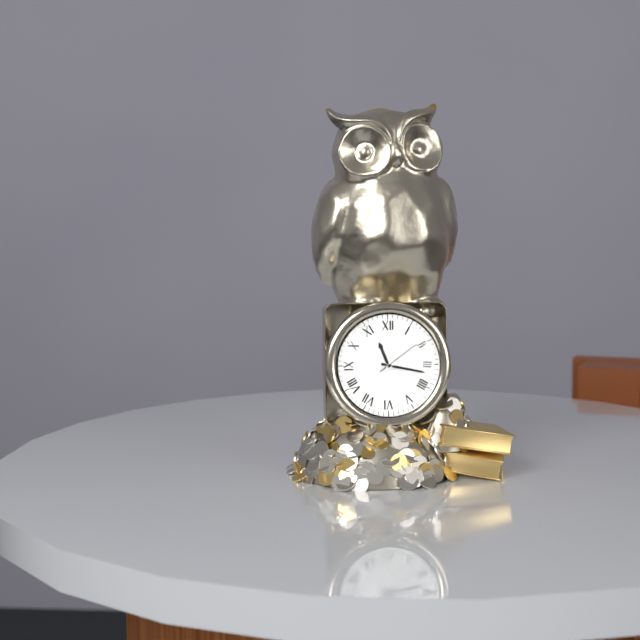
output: h=11 m=17 s=9
